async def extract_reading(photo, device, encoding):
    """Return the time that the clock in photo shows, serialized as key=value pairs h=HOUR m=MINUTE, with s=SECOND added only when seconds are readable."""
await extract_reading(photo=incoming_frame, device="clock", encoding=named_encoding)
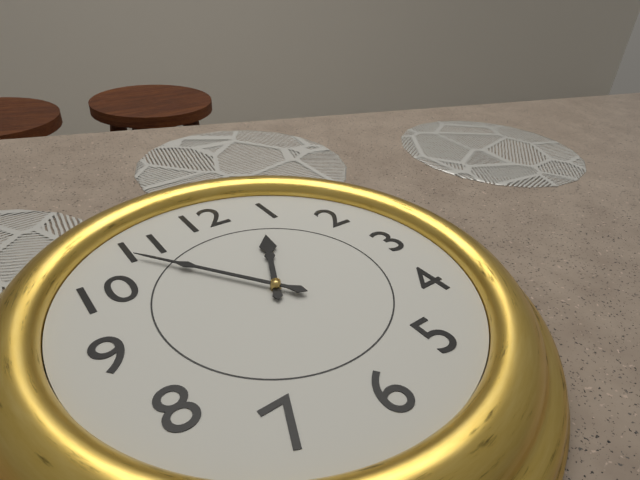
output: h=12 m=54
